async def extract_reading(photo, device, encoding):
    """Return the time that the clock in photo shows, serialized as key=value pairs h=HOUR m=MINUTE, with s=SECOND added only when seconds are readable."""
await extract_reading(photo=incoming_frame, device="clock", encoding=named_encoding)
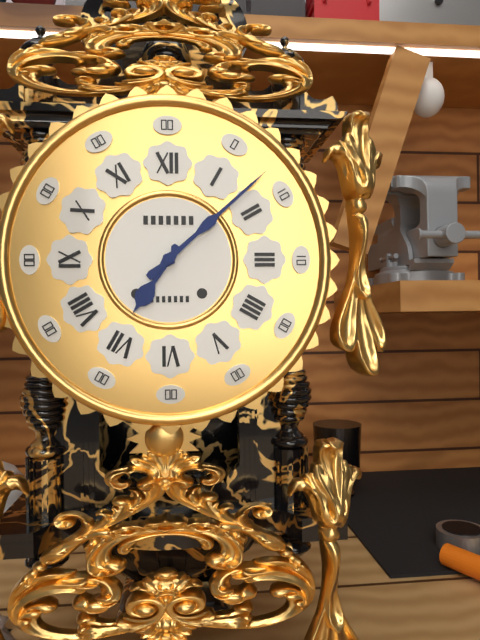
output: h=7 m=8
